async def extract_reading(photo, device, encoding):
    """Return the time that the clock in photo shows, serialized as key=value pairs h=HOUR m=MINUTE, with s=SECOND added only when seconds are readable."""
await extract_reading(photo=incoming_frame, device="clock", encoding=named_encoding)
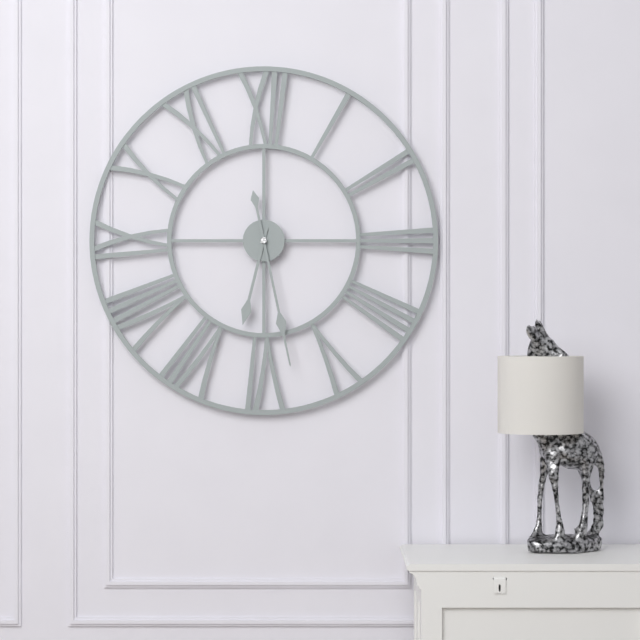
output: h=6 m=28
